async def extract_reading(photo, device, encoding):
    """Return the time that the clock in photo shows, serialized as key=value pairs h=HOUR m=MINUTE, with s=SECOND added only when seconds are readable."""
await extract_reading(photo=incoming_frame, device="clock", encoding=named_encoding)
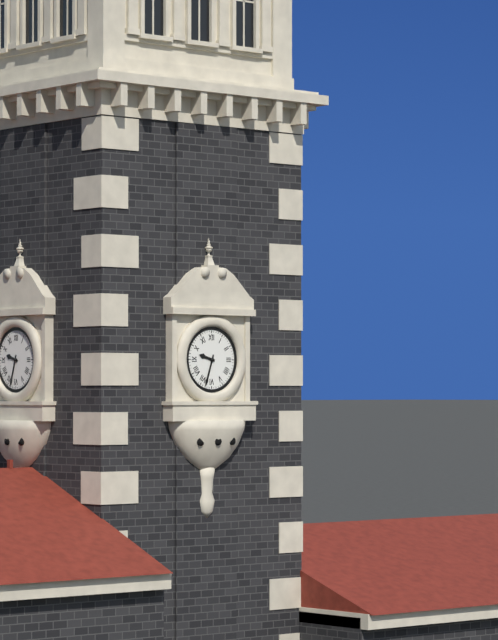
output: h=9 m=33
